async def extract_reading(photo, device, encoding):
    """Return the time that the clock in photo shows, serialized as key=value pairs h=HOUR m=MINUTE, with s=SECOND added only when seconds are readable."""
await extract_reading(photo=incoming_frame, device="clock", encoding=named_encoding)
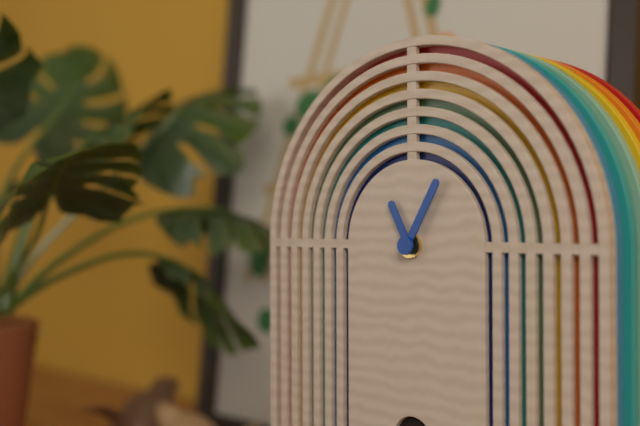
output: h=11 m=5
